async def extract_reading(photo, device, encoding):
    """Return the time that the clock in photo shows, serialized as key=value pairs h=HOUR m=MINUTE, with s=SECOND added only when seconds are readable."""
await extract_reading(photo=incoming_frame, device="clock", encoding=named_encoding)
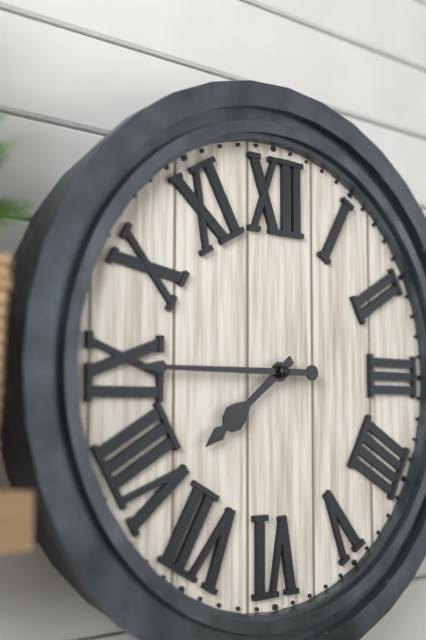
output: h=7 m=45
